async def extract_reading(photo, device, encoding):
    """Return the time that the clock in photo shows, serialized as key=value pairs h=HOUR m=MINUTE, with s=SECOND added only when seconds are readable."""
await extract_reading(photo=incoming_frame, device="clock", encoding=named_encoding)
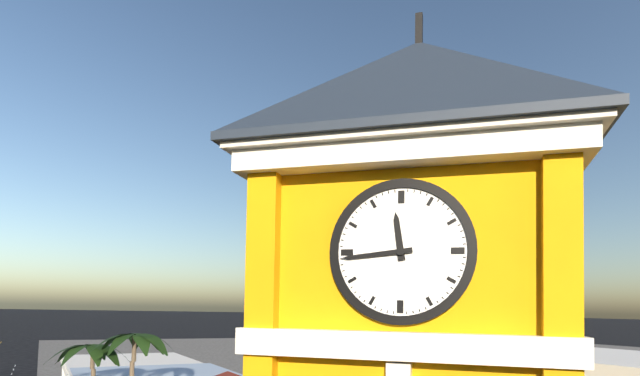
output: h=11 m=44
